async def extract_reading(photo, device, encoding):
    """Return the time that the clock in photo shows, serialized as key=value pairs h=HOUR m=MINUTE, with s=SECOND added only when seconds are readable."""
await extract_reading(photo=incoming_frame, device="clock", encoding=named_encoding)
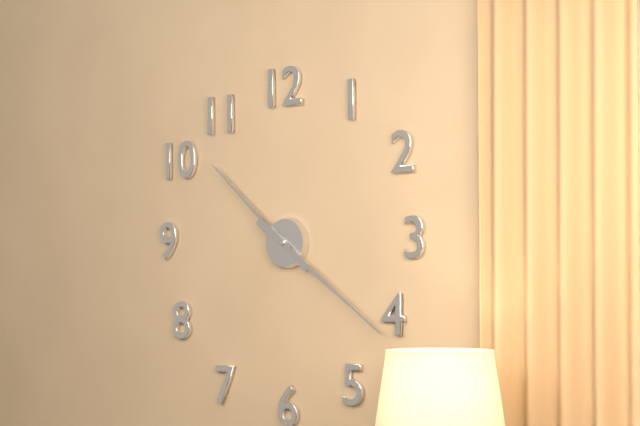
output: h=10 m=21
